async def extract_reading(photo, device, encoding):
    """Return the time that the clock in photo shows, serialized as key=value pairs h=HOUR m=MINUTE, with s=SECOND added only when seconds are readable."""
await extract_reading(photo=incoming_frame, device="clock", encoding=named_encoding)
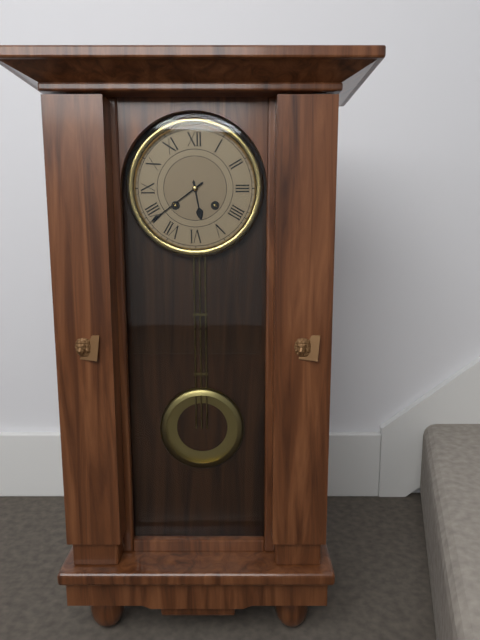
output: h=5 m=39
